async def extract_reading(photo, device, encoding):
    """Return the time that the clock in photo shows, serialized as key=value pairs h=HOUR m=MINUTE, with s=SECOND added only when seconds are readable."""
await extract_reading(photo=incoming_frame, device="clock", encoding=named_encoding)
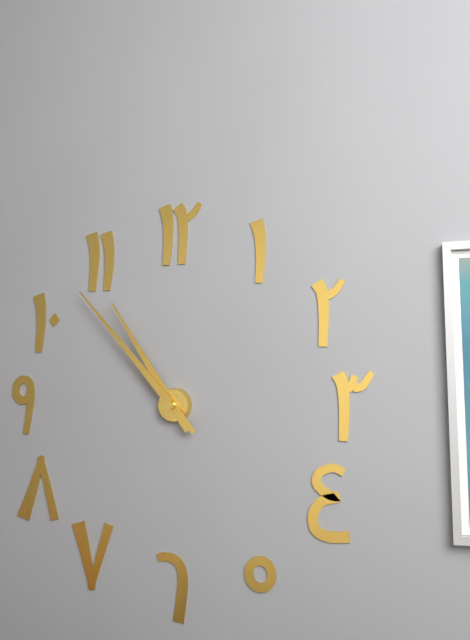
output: h=10 m=53
